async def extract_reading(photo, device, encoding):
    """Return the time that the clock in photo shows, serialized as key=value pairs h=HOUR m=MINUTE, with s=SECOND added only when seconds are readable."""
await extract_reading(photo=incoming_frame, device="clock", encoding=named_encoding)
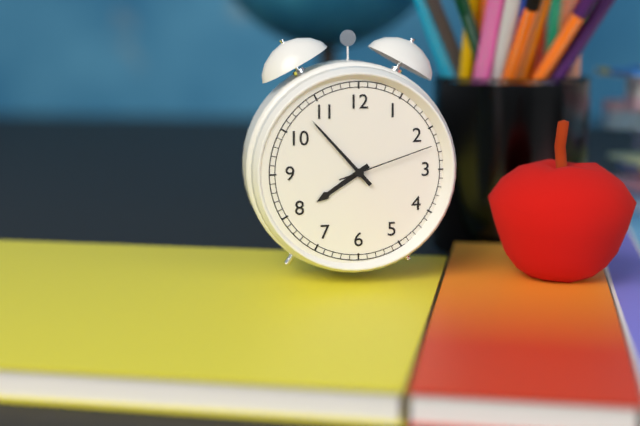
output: h=7 m=53 s=12
